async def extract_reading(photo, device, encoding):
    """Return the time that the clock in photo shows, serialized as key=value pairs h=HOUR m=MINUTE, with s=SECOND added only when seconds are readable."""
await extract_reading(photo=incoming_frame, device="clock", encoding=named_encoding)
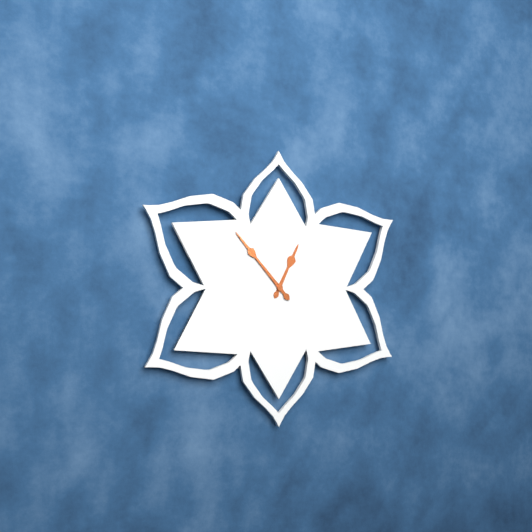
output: h=12 m=53
